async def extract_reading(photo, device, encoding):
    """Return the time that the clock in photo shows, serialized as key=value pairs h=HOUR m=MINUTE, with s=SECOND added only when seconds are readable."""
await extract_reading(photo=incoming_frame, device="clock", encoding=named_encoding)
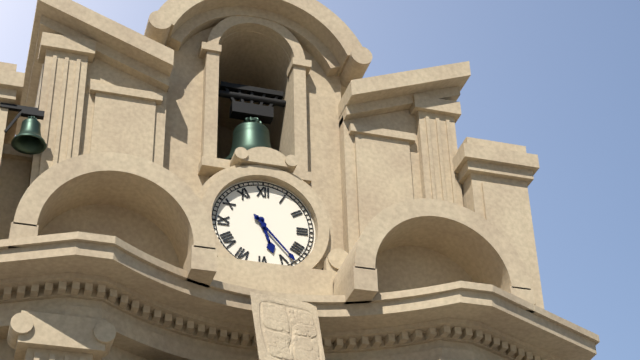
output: h=5 m=23
